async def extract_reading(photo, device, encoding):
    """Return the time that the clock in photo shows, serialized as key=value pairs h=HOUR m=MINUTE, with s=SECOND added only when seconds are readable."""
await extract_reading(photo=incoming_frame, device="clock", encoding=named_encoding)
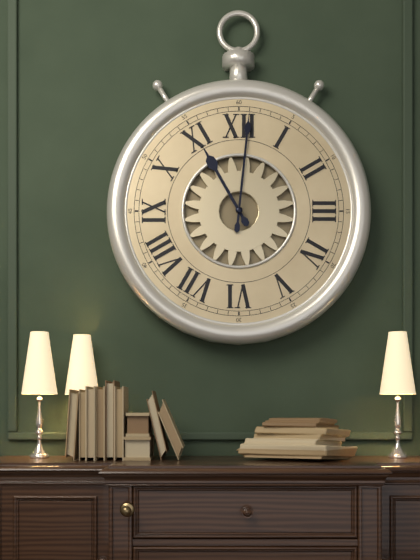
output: h=11 m=1
